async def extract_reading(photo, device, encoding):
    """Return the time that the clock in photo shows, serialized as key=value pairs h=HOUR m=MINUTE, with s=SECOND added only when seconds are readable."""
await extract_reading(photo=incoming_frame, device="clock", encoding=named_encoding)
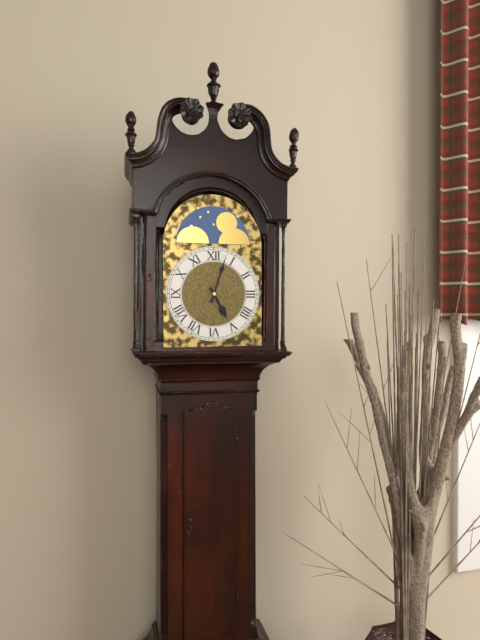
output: h=5 m=3
